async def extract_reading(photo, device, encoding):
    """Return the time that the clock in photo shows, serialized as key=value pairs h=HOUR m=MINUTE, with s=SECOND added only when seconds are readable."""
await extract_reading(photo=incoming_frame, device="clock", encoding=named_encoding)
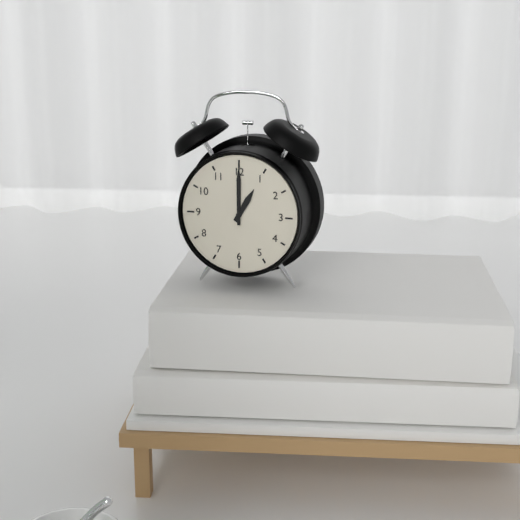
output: h=1 m=0
